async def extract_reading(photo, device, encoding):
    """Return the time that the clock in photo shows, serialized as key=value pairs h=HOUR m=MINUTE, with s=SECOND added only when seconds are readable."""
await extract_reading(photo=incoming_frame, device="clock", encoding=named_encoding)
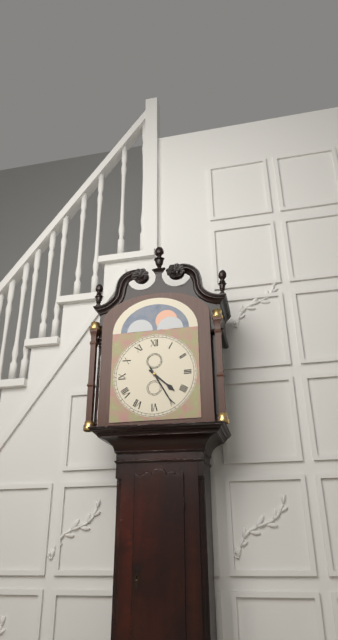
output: h=4 m=25
